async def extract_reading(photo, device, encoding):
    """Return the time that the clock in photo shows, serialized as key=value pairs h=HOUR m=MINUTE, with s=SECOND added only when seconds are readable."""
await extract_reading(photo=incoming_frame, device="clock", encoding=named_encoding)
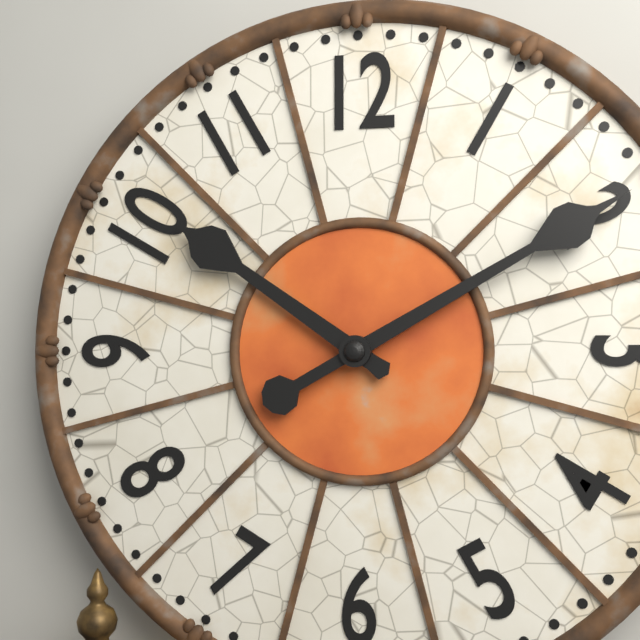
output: h=10 m=10
